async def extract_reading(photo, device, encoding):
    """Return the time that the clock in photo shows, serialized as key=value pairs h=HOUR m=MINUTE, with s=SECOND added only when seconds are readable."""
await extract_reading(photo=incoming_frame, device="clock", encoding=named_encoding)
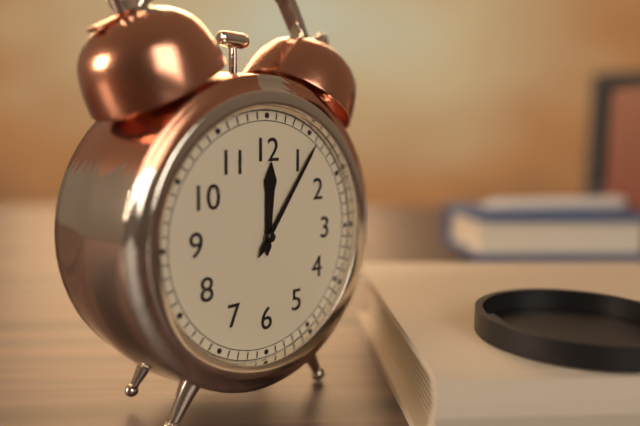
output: h=12 m=6
